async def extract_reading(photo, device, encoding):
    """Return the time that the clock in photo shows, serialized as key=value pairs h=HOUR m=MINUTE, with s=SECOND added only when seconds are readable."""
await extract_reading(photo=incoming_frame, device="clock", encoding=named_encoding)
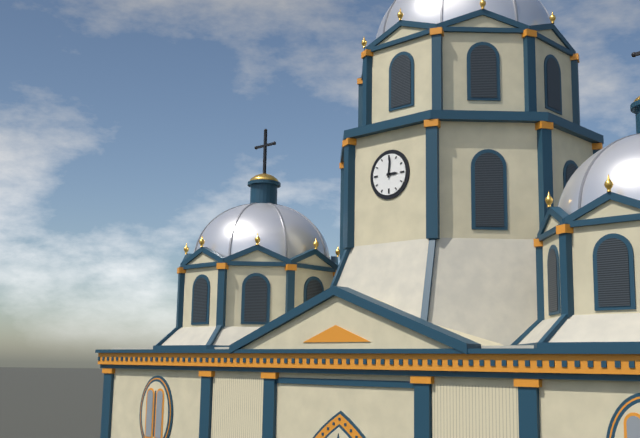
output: h=3 m=1
